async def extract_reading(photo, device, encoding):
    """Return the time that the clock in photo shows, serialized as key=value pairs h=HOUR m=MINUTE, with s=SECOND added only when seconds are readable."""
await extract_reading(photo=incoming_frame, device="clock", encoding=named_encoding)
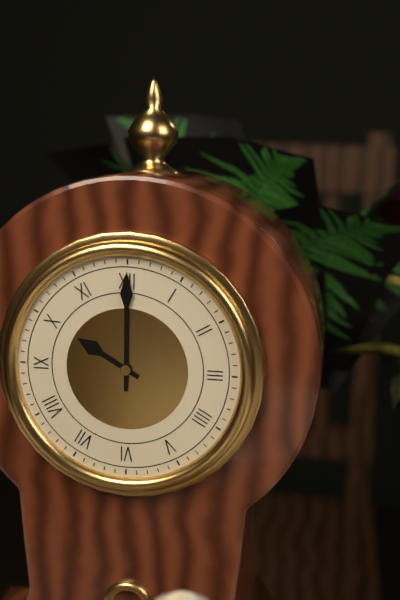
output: h=10 m=0
